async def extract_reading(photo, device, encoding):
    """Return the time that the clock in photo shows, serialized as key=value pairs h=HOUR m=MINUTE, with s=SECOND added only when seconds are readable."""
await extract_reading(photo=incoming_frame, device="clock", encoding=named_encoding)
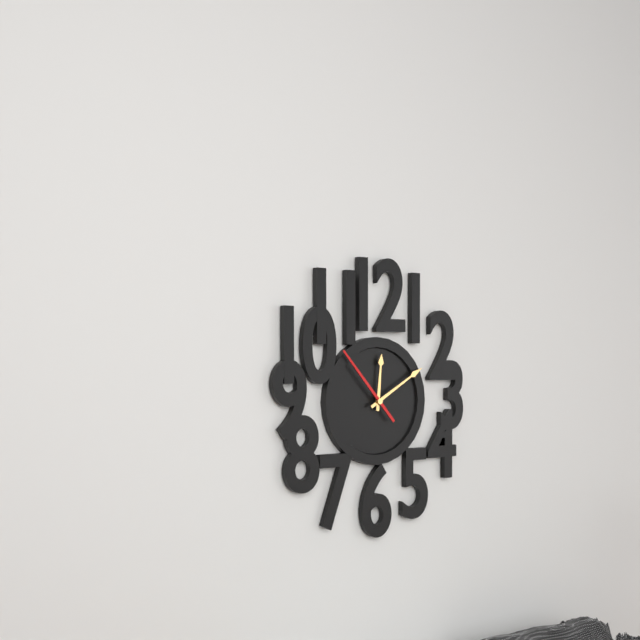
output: h=12 m=10 s=53
